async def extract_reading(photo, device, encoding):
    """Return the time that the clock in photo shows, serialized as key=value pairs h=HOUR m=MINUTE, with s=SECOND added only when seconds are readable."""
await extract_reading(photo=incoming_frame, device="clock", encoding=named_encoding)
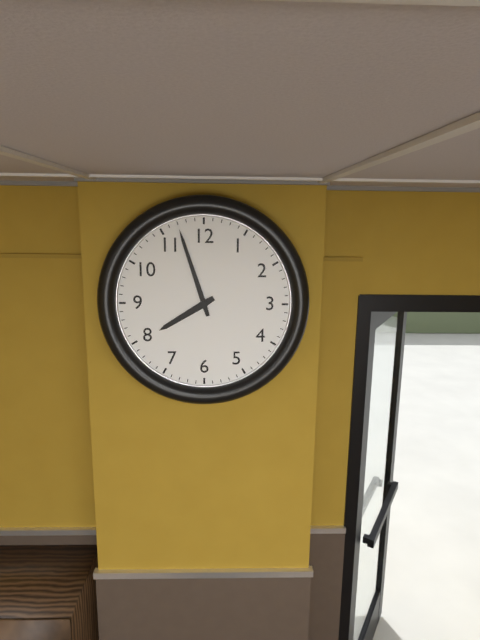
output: h=7 m=57
